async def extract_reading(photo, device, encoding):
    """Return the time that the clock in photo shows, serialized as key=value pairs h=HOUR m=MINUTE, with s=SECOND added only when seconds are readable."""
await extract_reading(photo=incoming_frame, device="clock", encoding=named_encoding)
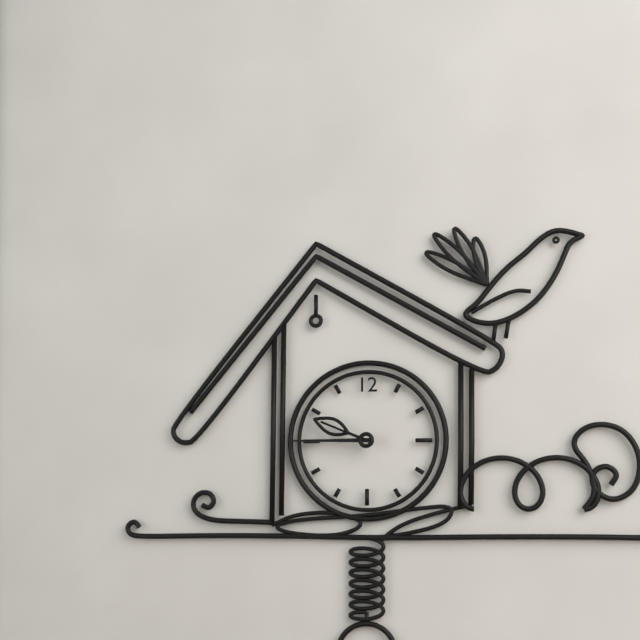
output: h=9 m=45
